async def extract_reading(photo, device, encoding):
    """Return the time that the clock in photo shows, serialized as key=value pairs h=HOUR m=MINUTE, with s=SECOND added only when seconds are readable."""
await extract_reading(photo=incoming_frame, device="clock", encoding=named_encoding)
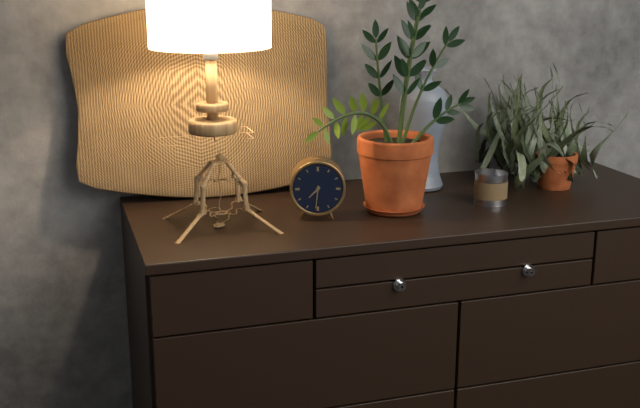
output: h=7 m=31
